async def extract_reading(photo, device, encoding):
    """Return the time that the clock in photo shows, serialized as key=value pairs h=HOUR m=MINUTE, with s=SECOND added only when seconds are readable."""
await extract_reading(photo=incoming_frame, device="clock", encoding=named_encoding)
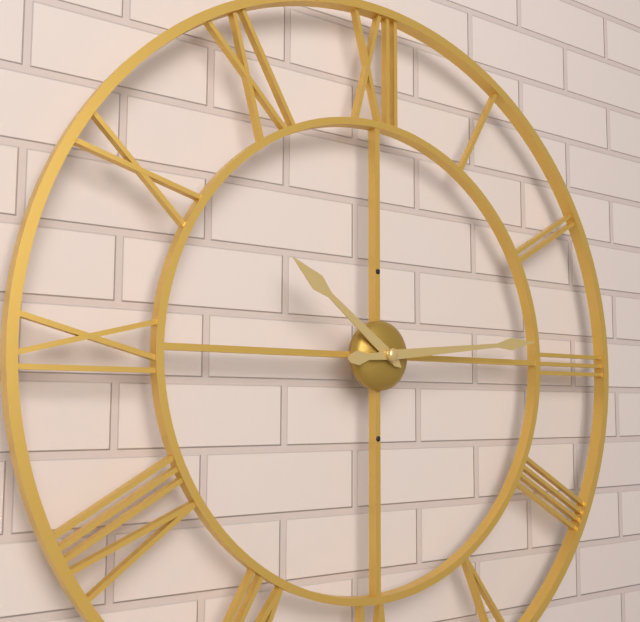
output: h=10 m=14
